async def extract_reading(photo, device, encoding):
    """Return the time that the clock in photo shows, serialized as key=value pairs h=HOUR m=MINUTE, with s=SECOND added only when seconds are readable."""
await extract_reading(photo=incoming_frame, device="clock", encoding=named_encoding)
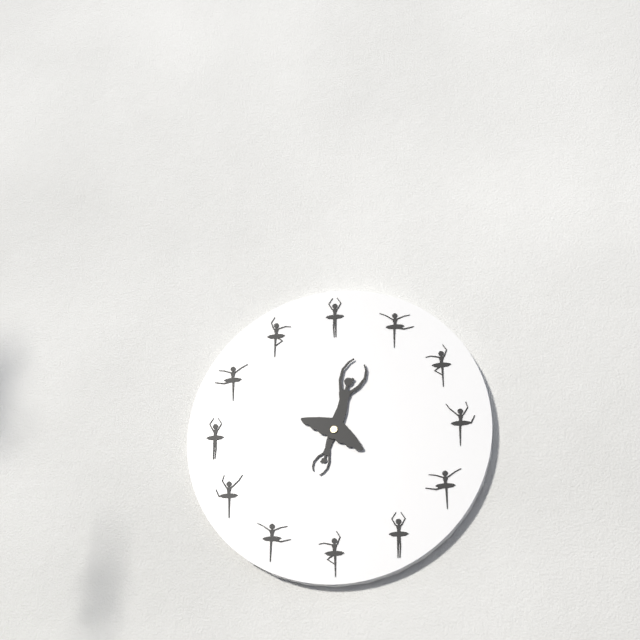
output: h=7 m=5
